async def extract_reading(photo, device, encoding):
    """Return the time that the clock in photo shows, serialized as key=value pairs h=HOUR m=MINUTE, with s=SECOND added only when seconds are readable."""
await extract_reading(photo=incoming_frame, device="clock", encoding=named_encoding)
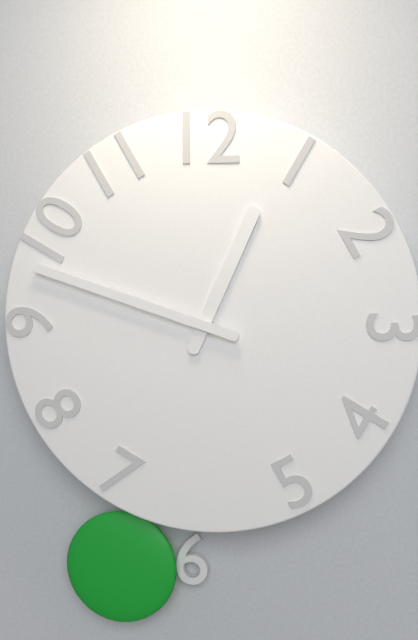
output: h=12 m=48
